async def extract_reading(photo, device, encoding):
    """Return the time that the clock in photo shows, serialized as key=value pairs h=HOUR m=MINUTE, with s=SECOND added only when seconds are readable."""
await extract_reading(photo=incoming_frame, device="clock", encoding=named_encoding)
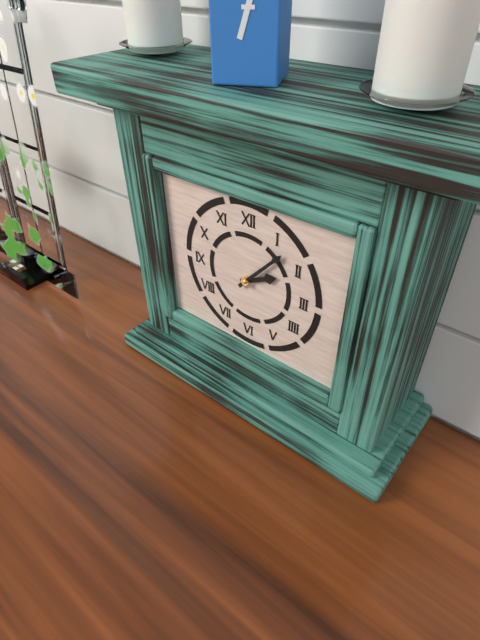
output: h=2 m=7
